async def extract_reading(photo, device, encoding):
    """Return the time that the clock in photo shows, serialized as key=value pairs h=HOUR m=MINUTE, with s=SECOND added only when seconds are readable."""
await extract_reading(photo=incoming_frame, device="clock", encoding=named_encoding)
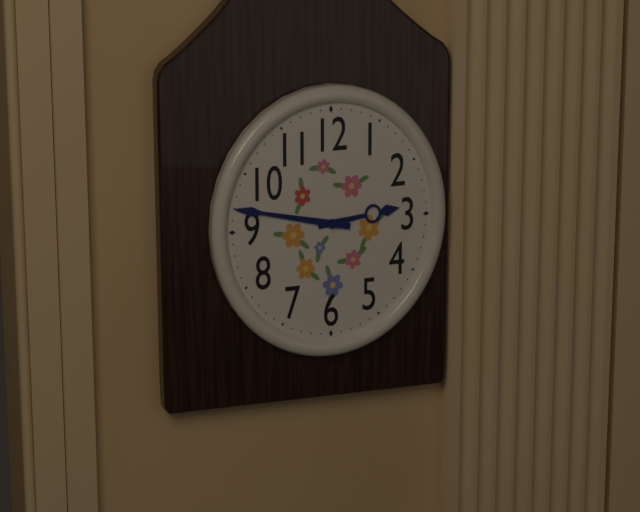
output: h=2 m=47
